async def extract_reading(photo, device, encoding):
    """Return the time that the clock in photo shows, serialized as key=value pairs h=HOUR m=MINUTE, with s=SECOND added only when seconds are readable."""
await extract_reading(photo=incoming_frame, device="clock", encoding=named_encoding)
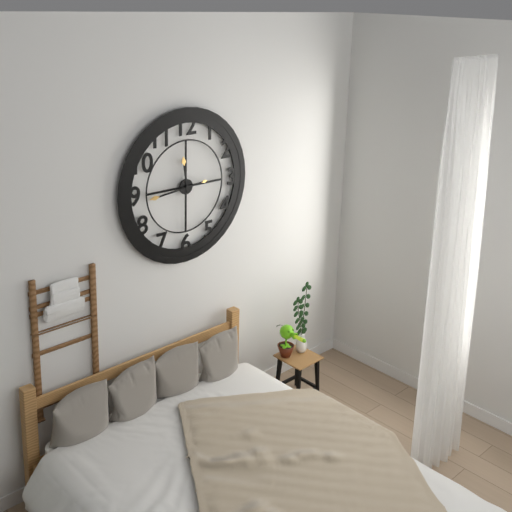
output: h=11 m=44
